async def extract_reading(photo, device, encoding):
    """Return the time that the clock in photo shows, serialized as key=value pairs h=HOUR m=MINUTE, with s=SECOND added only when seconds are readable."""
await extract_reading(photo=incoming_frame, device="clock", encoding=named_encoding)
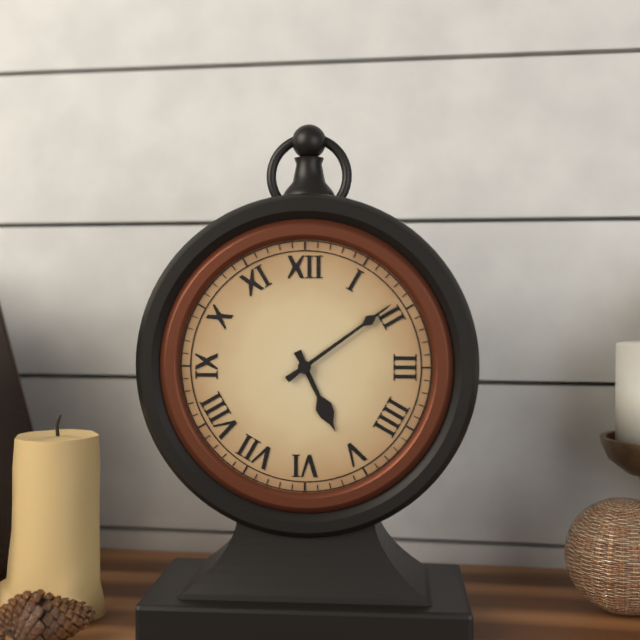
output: h=5 m=9
